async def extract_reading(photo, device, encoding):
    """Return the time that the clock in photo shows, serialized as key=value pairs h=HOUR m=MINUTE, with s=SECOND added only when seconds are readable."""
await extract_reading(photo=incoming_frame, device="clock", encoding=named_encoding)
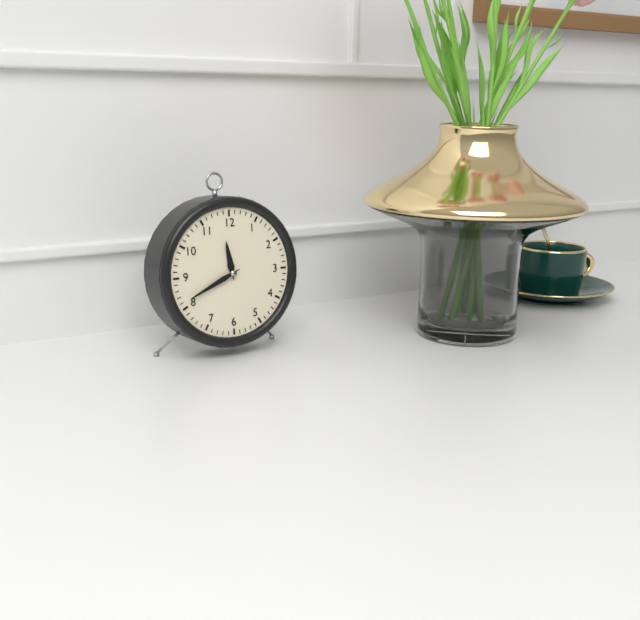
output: h=11 m=41
